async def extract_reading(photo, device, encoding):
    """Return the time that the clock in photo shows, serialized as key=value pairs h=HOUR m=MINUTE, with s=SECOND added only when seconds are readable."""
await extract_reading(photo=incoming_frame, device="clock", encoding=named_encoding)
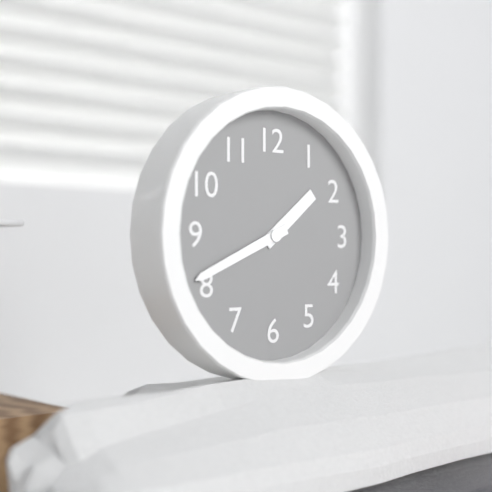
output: h=1 m=41
